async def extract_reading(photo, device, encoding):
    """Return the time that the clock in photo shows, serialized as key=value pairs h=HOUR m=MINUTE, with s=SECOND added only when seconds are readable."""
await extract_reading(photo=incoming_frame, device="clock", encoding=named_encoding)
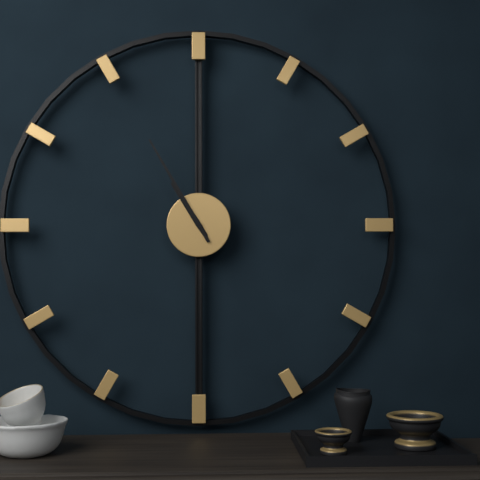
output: h=10 m=55
